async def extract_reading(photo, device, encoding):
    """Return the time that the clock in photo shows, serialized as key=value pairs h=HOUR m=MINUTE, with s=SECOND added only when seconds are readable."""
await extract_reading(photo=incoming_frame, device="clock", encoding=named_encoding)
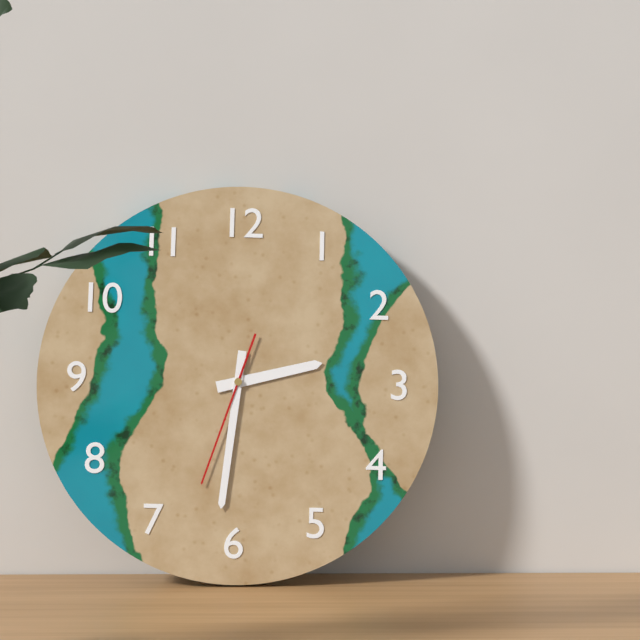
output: h=2 m=31 s=33
